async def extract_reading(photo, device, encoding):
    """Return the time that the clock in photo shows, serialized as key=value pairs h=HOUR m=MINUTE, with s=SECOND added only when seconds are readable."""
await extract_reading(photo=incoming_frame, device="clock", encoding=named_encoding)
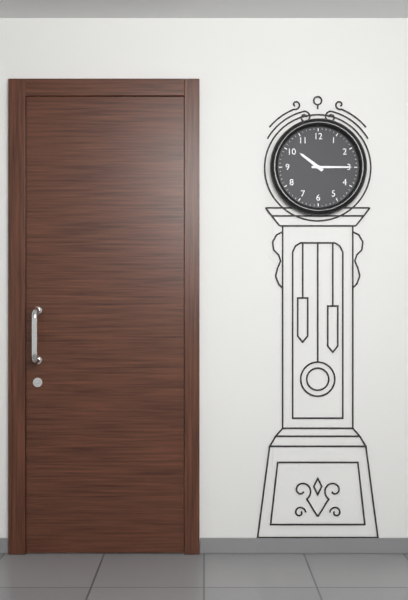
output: h=10 m=15
